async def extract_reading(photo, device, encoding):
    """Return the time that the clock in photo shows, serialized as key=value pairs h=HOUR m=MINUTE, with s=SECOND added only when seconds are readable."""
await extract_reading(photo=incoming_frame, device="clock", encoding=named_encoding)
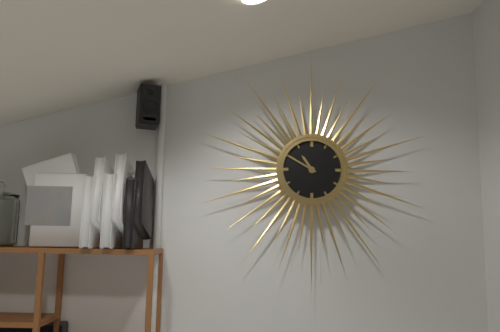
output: h=10 m=50
